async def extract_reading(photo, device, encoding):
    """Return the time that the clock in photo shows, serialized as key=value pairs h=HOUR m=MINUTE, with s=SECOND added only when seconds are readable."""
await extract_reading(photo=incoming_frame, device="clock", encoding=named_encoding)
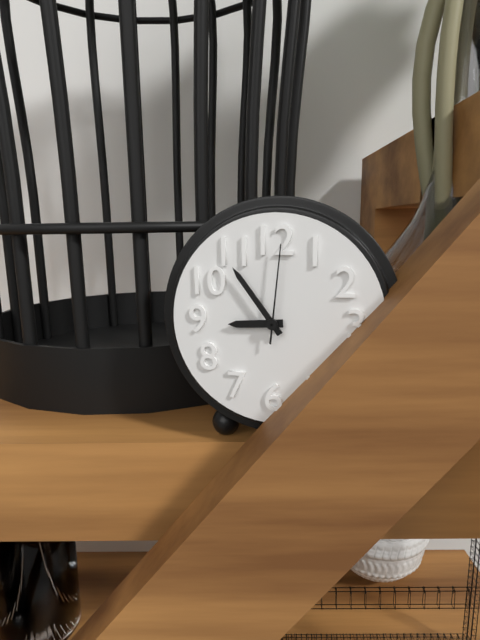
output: h=8 m=54 s=1
